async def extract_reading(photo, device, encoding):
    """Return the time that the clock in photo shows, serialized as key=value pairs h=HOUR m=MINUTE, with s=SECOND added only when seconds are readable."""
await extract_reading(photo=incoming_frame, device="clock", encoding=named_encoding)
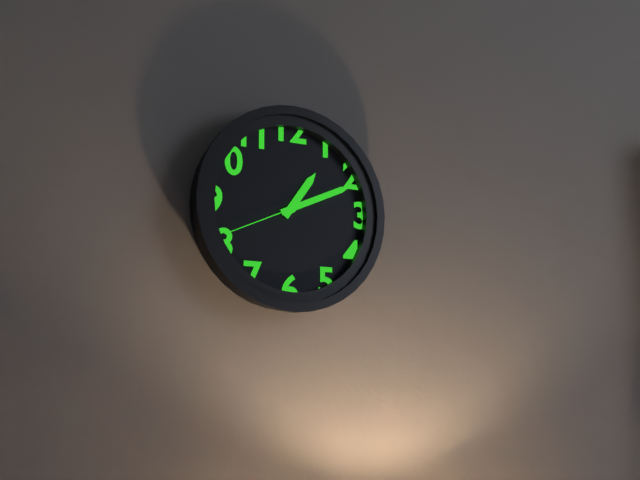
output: h=1 m=11 s=41
